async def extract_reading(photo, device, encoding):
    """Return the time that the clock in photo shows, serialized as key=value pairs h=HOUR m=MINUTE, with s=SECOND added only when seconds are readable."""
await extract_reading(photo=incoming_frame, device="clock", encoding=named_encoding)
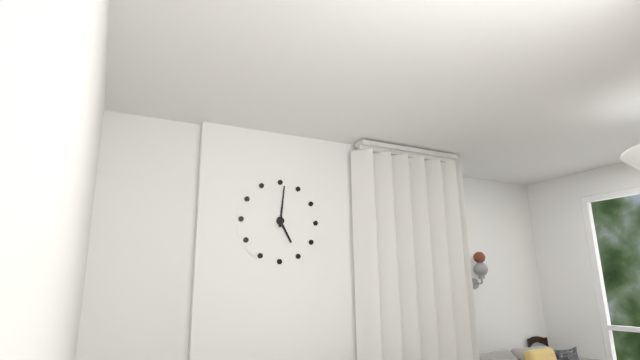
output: h=5 m=1
